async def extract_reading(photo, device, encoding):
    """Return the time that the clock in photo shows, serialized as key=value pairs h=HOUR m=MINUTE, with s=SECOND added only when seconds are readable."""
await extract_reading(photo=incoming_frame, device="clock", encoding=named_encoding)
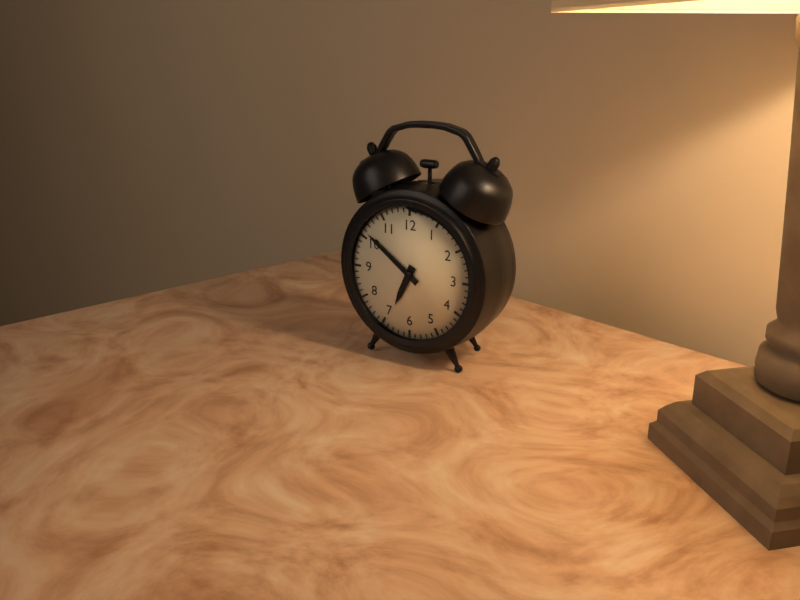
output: h=6 m=51
